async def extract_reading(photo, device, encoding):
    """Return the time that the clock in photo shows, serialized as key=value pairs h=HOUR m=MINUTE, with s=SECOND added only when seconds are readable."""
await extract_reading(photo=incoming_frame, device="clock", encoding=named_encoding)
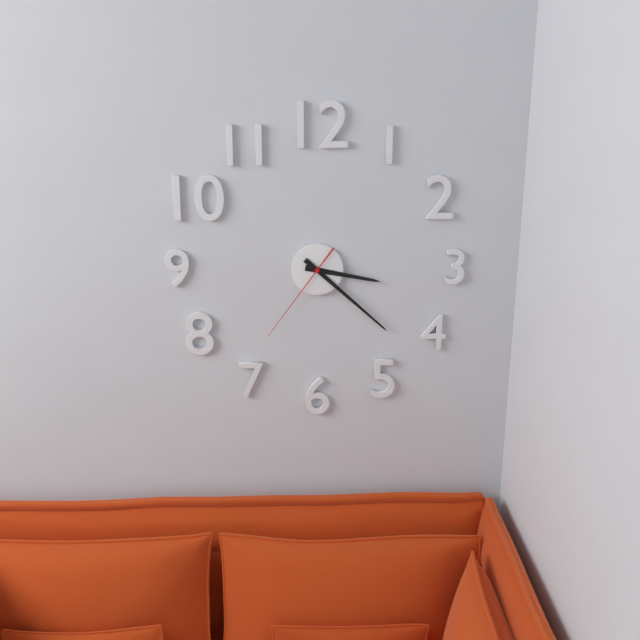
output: h=3 m=22 s=36
